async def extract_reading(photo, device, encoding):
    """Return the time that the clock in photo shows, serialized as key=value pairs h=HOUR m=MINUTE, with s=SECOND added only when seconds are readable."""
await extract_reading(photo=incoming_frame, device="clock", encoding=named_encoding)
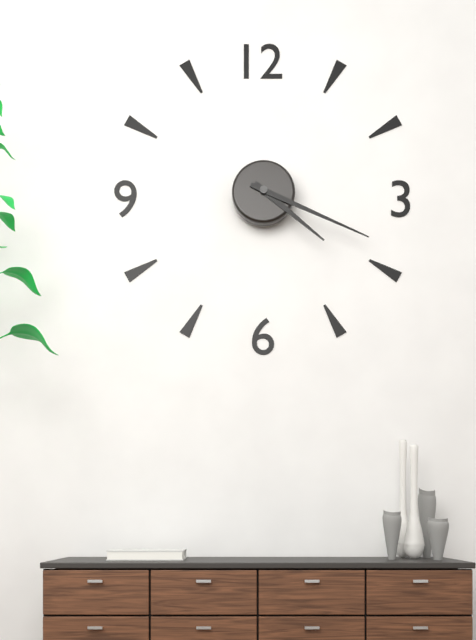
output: h=4 m=19
